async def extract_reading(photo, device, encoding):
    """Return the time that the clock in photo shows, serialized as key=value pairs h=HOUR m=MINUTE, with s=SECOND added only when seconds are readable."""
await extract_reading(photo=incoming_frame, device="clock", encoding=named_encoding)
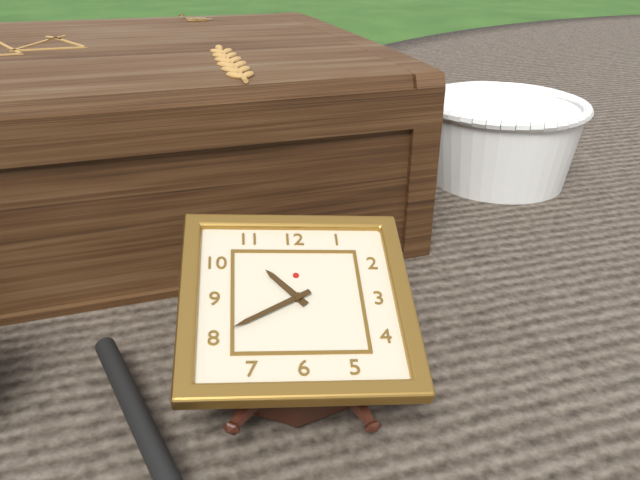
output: h=10 m=40
